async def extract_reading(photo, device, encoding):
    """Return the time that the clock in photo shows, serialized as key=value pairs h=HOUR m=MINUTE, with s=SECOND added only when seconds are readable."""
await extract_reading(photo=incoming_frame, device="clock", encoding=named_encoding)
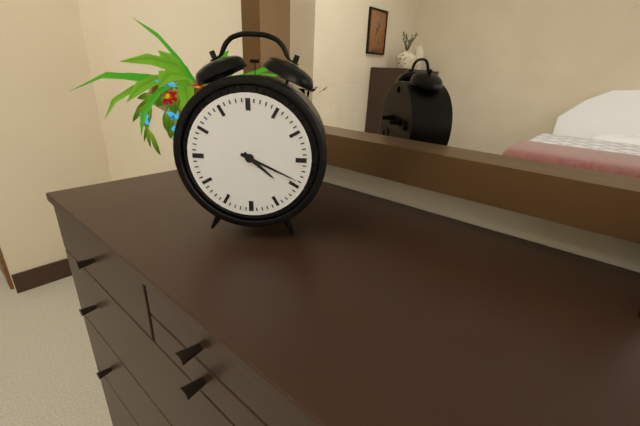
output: h=4 m=19
